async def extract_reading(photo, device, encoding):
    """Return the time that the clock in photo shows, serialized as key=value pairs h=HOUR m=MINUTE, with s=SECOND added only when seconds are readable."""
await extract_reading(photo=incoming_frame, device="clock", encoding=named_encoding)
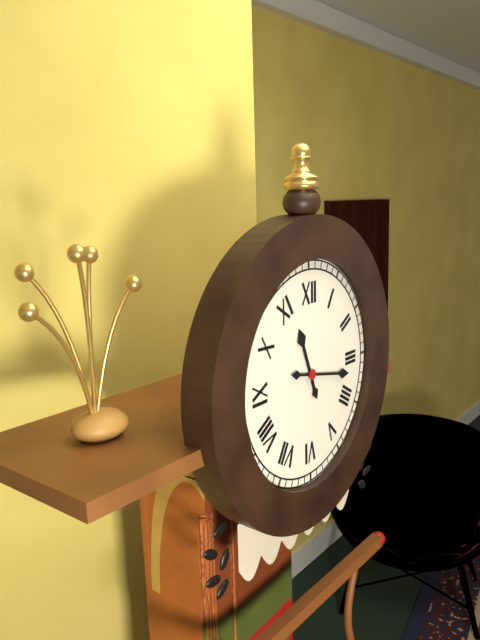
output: h=11 m=17
